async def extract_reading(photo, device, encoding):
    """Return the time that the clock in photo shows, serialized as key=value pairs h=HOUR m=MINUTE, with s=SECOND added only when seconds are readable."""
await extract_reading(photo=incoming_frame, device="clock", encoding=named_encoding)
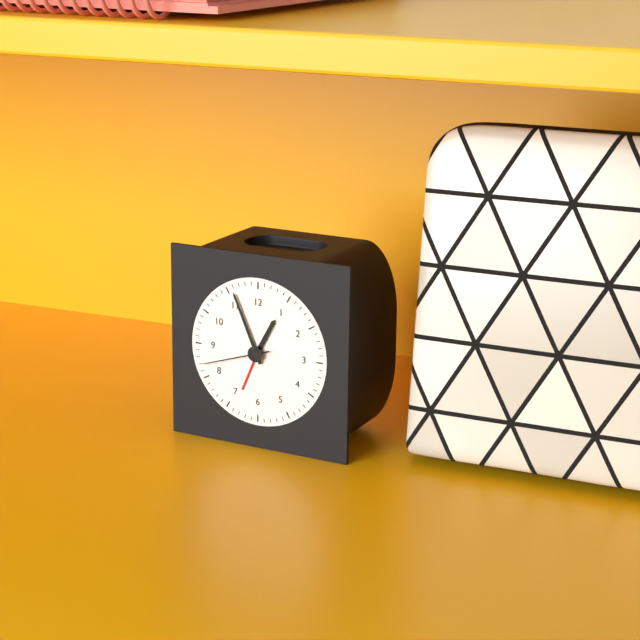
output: h=12 m=56 s=42
